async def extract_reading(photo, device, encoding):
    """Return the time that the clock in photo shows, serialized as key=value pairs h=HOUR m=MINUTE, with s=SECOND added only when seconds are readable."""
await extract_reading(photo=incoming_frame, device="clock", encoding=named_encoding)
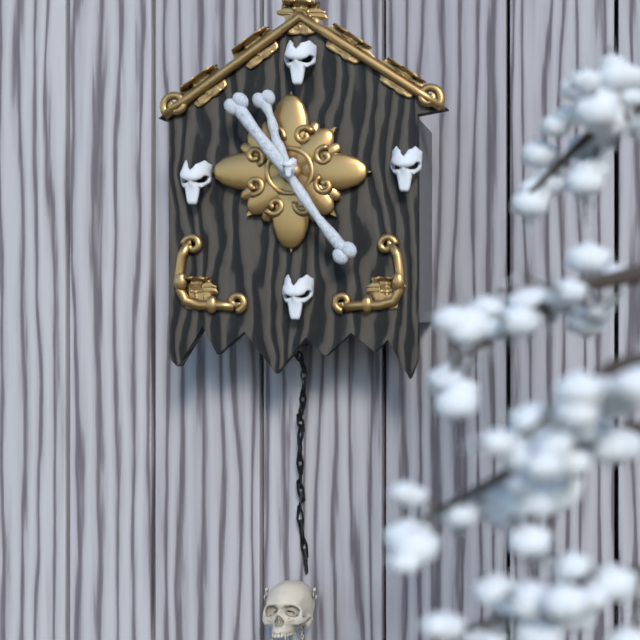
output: h=11 m=24
